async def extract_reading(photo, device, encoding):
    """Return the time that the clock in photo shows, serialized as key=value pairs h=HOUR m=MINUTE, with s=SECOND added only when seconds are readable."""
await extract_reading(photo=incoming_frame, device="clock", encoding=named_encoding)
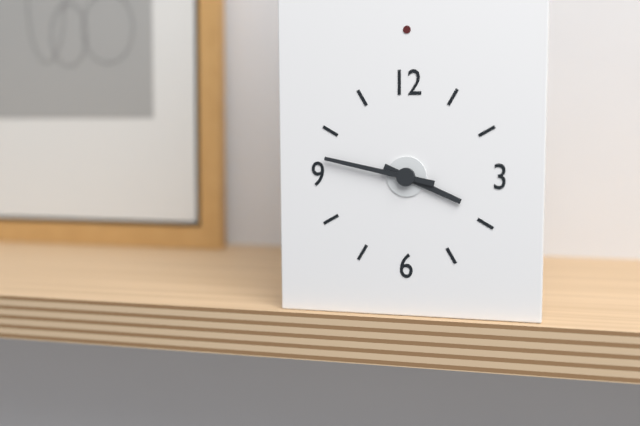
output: h=3 m=47
